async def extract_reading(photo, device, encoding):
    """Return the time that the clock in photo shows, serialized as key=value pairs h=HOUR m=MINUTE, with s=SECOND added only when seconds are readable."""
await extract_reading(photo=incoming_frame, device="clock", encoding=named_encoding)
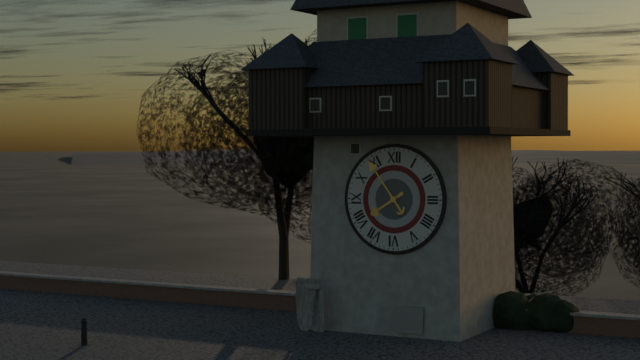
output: h=7 m=54
